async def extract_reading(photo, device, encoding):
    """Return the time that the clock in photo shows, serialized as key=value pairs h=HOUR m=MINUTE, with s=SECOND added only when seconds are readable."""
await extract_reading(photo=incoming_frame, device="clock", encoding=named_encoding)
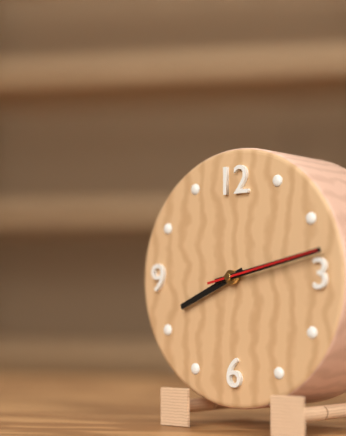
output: h=8 m=13 s=13
